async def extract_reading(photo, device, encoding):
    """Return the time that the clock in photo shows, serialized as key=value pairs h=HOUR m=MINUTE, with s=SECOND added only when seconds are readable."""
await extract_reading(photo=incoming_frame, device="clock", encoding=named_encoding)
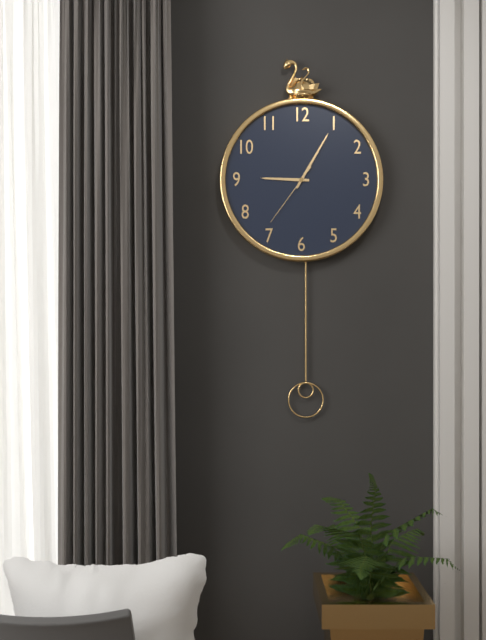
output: h=9 m=5 s=36
